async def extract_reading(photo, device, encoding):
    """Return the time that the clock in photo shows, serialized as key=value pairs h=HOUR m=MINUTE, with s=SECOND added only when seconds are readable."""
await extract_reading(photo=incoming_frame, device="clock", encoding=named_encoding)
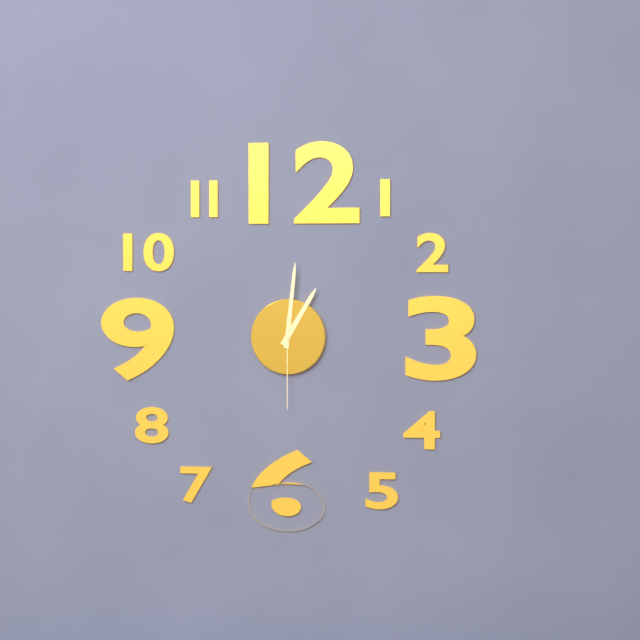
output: h=1 m=1 s=30
